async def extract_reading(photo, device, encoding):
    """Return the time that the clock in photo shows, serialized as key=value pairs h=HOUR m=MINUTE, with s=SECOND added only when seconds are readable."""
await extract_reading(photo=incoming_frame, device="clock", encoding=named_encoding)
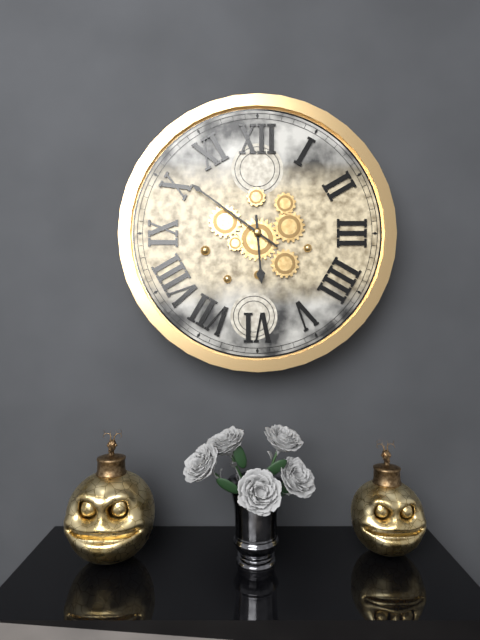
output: h=5 m=51
